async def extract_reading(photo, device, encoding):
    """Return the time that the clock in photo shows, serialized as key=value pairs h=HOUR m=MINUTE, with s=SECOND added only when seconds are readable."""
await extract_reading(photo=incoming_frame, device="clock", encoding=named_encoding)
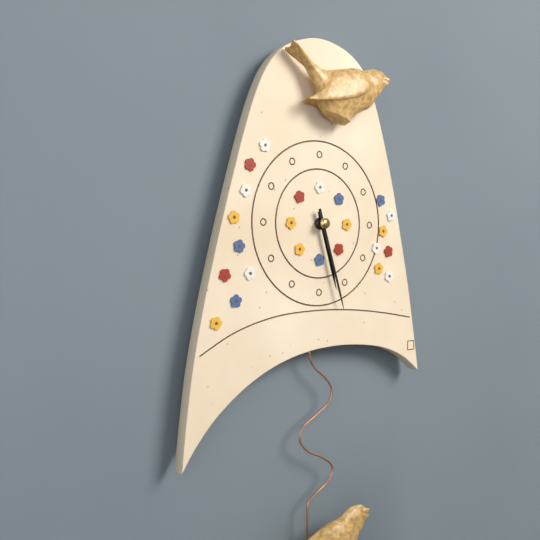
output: h=5 m=27
